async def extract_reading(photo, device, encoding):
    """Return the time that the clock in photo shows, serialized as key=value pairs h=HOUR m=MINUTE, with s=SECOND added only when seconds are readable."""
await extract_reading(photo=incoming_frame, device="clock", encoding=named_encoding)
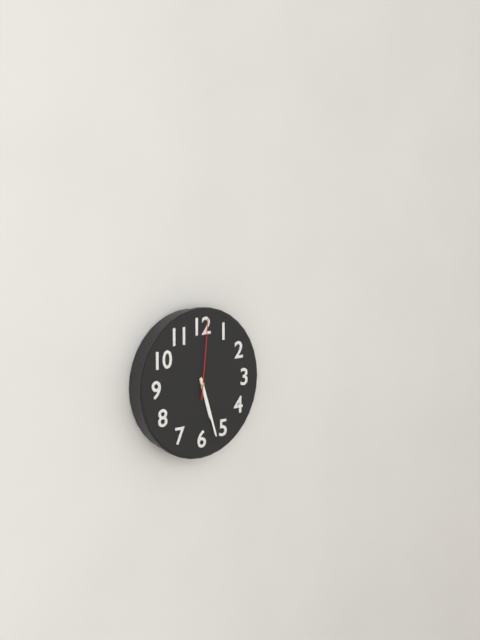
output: h=5 m=27 s=1
